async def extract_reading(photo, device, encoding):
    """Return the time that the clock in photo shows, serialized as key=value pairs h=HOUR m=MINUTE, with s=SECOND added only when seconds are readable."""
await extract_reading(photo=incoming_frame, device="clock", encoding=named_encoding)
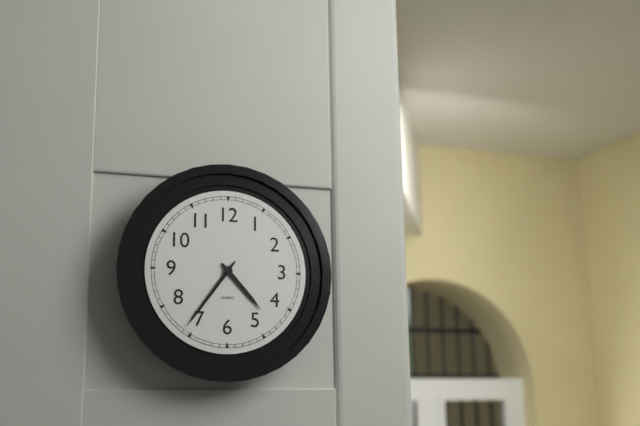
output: h=4 m=36
